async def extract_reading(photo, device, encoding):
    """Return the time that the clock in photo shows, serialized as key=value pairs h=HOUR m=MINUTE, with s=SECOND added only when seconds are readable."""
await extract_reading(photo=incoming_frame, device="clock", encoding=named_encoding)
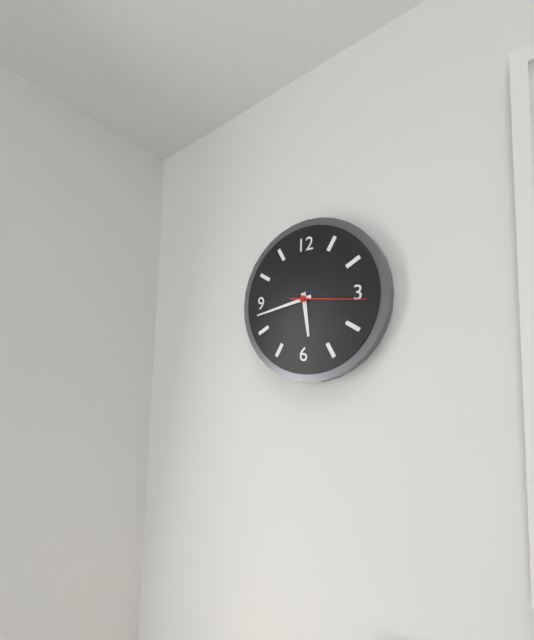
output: h=5 m=43 s=16
